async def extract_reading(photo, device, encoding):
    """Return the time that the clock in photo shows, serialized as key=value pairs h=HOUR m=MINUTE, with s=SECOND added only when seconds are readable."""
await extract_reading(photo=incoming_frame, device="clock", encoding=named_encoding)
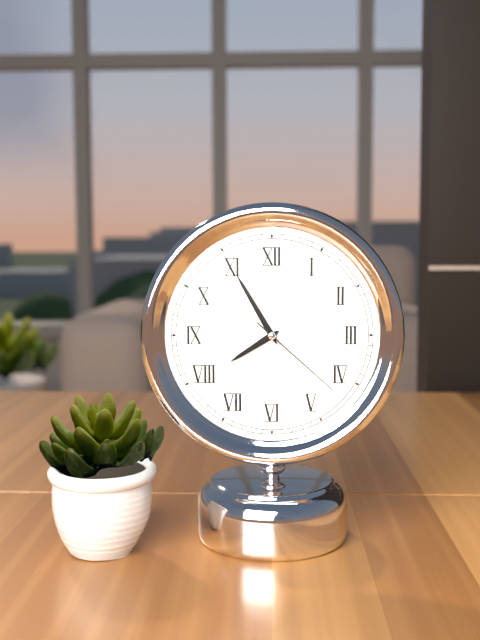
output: h=7 m=55 s=22
